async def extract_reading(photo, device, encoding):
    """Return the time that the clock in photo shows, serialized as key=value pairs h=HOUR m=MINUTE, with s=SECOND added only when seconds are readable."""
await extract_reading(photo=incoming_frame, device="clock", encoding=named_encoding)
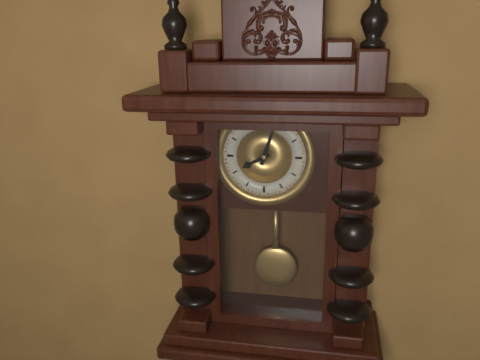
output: h=8 m=3
